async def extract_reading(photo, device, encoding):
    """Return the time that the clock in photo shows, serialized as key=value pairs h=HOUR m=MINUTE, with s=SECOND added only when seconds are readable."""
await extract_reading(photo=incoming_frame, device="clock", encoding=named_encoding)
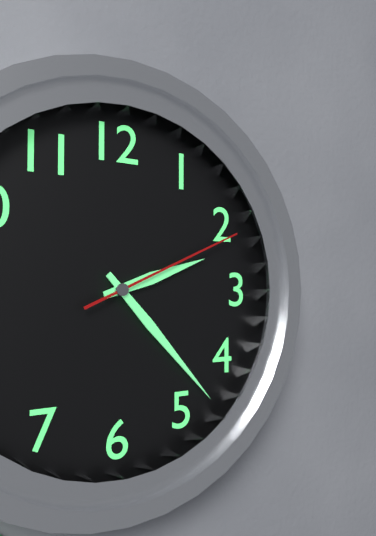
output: h=2 m=23 s=11
